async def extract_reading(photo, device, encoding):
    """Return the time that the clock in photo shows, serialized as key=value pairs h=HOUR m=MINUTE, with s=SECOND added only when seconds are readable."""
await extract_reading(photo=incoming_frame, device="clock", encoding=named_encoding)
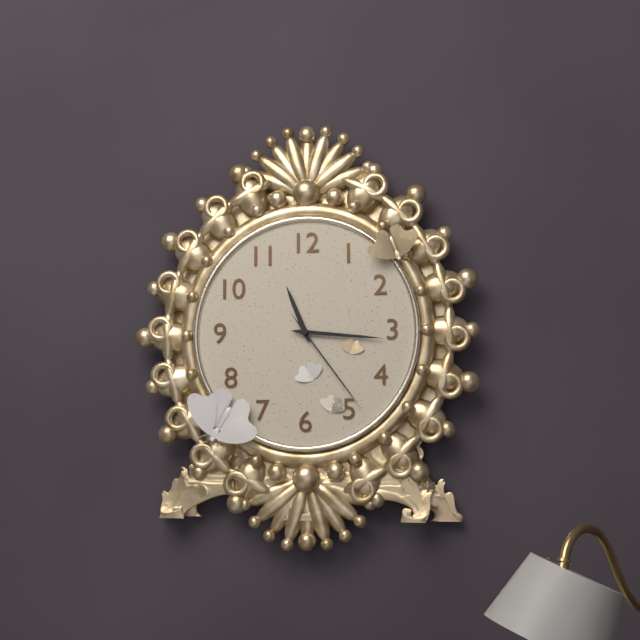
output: h=11 m=16 s=24
